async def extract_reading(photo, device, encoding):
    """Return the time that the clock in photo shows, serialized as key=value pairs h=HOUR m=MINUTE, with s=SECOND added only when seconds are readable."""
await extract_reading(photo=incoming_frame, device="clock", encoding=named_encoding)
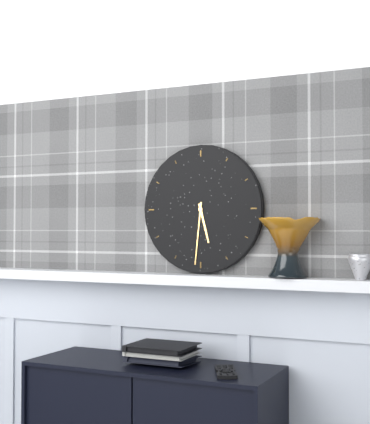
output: h=5 m=31
